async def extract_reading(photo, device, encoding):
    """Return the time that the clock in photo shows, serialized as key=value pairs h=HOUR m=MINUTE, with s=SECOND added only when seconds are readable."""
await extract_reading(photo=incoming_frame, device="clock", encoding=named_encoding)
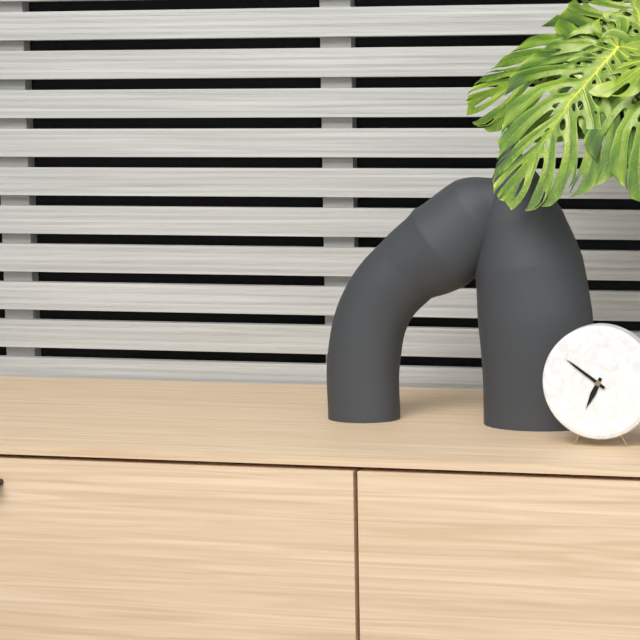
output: h=6 m=51
